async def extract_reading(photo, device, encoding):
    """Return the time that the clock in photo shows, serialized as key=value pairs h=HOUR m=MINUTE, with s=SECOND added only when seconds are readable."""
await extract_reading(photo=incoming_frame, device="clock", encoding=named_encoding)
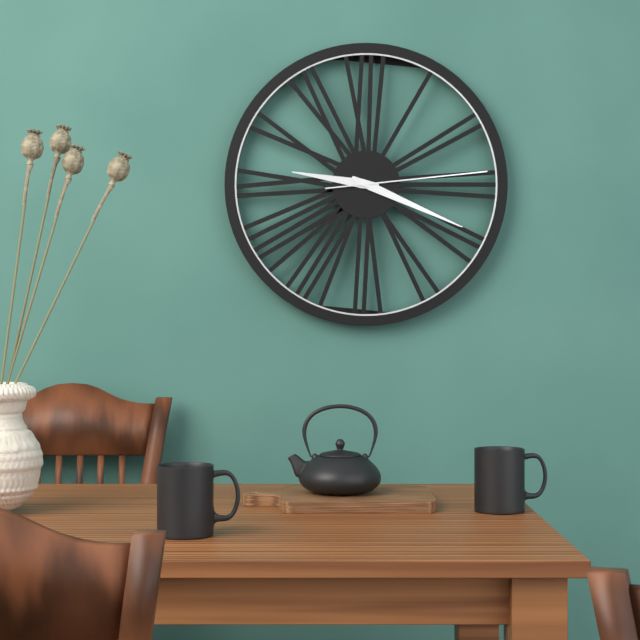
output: h=9 m=19 s=14
